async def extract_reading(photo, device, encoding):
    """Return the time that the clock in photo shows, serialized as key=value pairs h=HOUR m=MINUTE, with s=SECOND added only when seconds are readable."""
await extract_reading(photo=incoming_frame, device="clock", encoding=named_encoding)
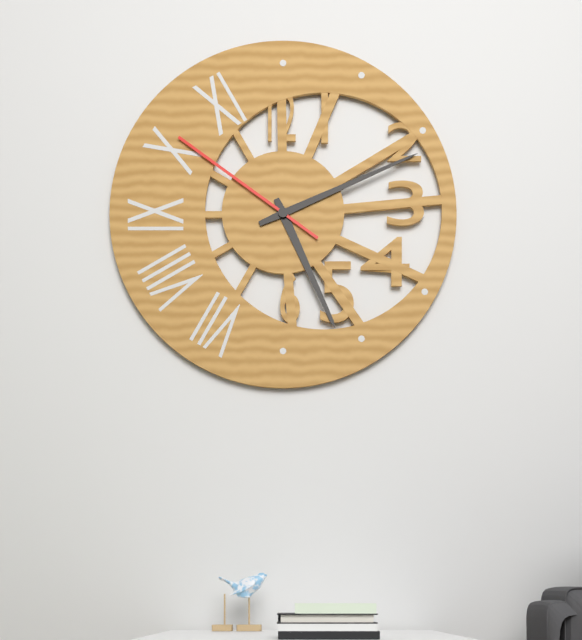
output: h=5 m=11 s=51
